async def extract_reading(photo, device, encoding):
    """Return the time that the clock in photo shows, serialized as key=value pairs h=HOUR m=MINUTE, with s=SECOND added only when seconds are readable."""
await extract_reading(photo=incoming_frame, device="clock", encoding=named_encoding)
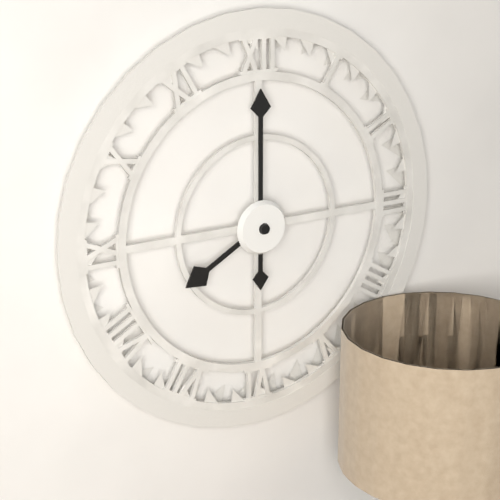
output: h=8 m=0
